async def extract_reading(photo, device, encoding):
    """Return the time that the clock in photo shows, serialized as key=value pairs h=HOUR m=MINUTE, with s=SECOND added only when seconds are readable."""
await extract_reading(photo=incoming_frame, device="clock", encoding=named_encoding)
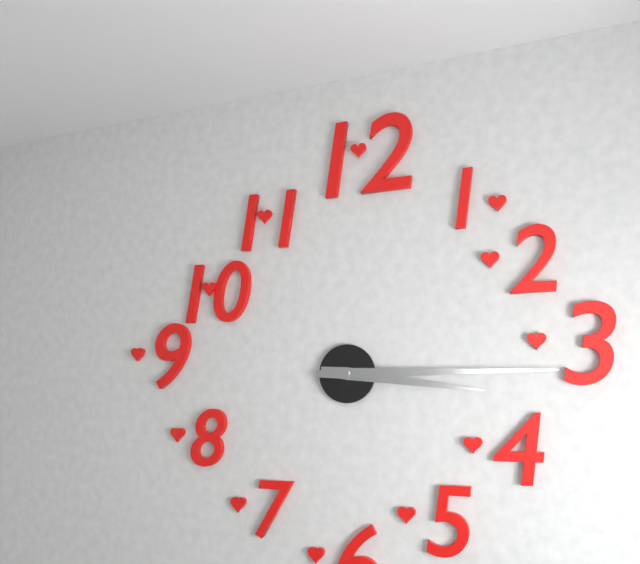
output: h=3 m=15
